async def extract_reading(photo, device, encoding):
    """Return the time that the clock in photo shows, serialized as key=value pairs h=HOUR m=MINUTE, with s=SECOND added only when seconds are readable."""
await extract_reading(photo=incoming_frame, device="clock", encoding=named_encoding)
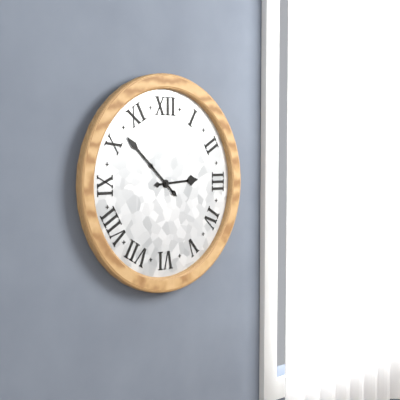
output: h=2 m=52
